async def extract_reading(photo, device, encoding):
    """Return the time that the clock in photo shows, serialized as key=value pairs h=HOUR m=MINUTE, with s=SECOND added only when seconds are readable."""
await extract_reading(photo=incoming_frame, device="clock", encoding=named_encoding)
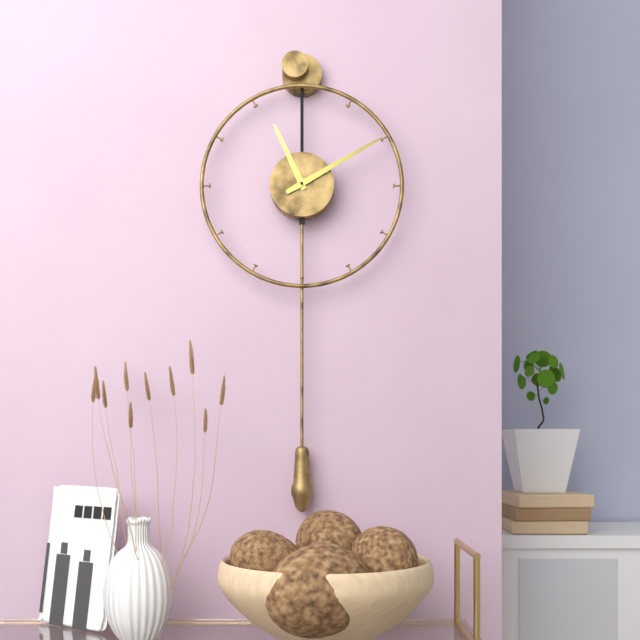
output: h=11 m=10
